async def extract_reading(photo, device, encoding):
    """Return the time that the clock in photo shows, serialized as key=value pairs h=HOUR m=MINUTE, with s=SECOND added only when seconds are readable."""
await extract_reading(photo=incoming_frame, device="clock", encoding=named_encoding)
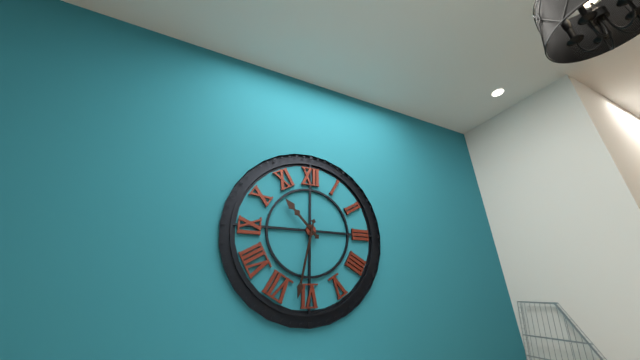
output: h=10 m=32
